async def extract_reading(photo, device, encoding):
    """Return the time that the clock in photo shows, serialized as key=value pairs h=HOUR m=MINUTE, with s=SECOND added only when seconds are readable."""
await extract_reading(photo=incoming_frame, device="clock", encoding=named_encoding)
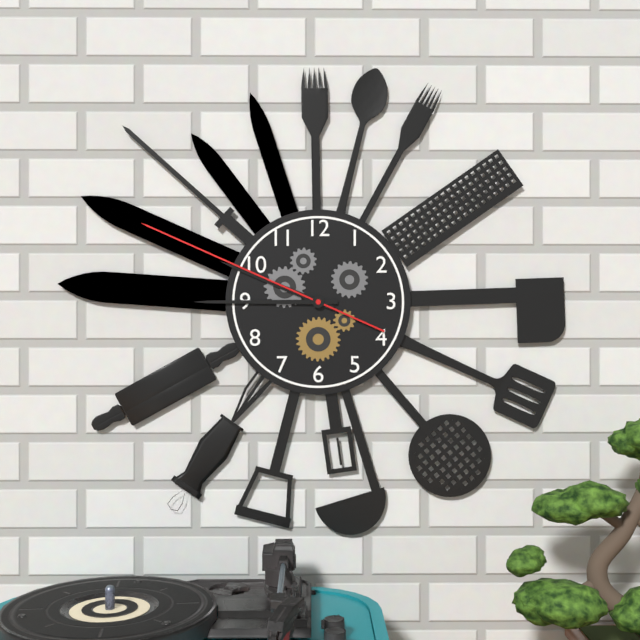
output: h=9 m=45 s=49
